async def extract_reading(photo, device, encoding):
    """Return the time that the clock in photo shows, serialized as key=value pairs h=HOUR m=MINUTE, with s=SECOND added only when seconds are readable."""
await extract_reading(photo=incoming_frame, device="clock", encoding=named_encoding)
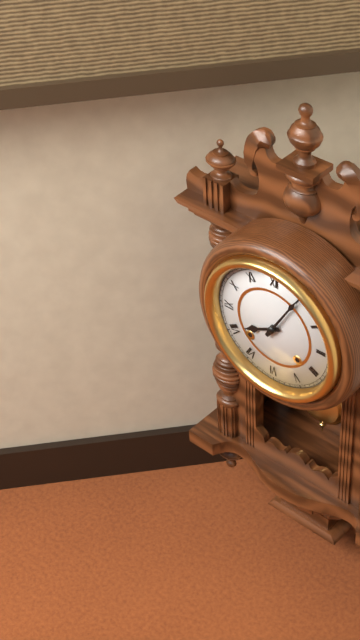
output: h=8 m=5
